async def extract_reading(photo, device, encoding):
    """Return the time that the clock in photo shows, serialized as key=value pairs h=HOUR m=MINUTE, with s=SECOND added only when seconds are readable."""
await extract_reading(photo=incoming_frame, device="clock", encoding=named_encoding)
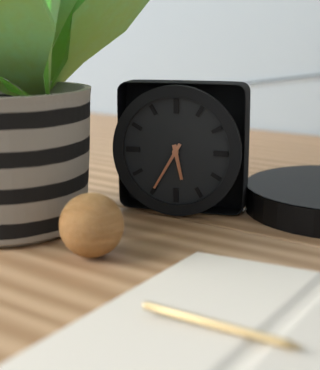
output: h=5 m=35
